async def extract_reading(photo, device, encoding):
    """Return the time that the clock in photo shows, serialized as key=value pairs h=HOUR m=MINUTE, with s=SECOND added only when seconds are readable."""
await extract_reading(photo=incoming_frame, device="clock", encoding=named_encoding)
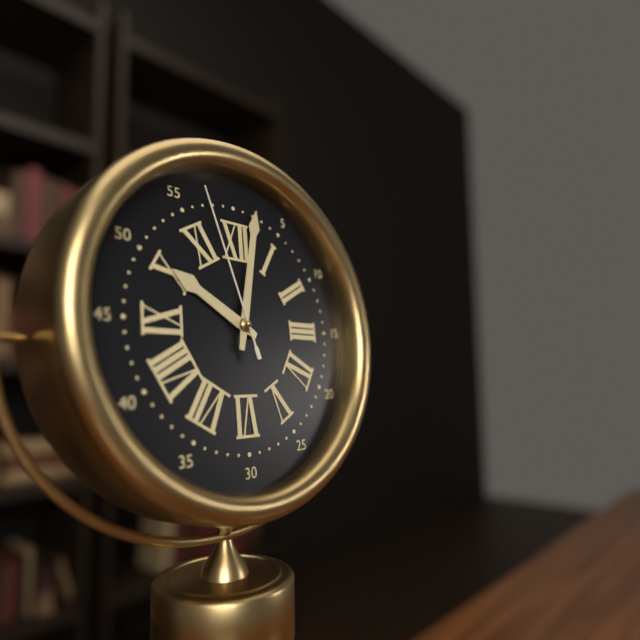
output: h=10 m=2 s=57
